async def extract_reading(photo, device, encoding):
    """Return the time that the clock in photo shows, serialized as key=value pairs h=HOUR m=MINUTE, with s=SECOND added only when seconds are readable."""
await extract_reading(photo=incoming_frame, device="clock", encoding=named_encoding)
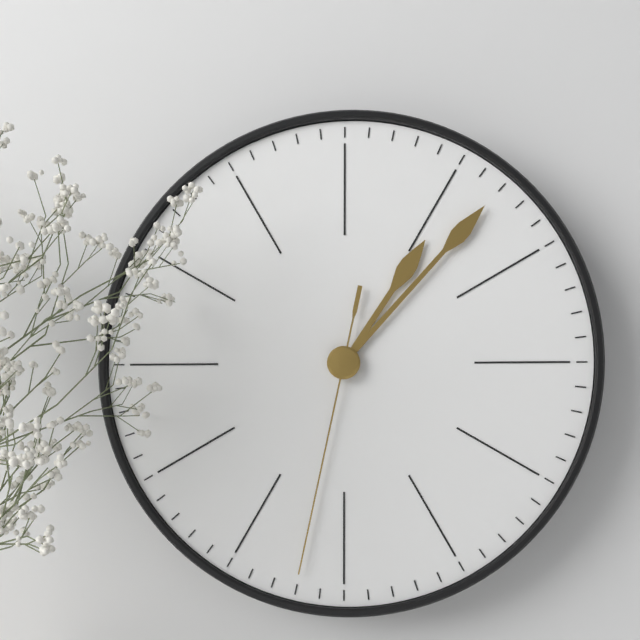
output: h=1 m=7 s=32
